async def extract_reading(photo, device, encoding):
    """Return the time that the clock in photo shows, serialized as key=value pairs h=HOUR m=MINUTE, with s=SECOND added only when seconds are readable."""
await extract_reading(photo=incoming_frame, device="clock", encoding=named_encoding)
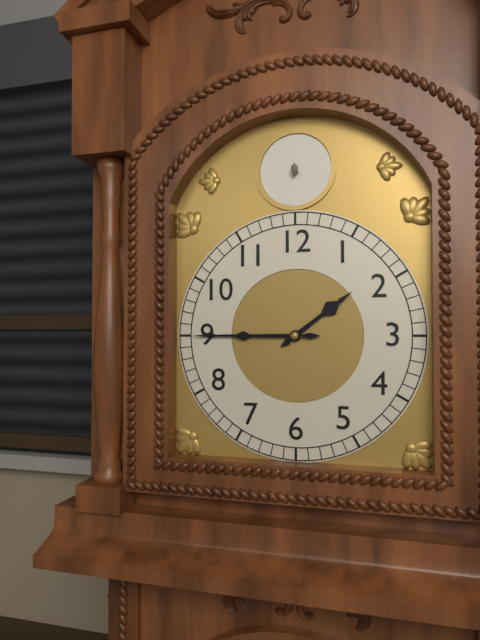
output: h=1 m=45
